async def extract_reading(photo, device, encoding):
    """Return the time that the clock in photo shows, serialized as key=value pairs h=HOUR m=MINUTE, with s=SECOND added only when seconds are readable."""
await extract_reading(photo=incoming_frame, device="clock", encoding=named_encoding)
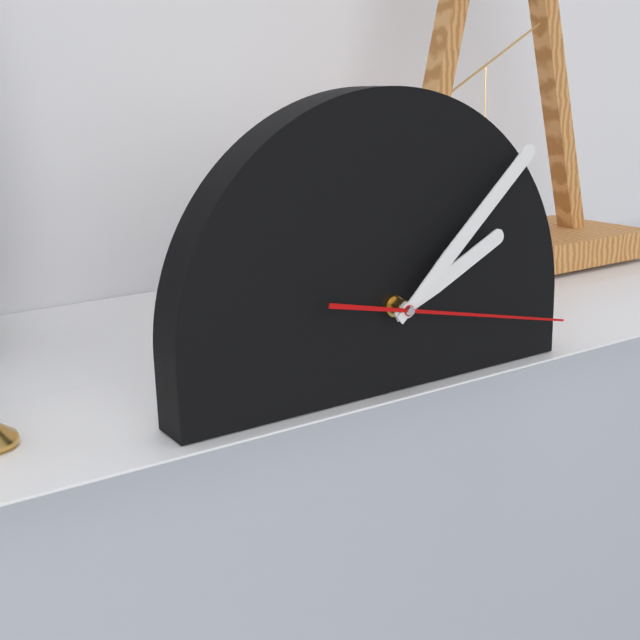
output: h=2 m=8 s=17
